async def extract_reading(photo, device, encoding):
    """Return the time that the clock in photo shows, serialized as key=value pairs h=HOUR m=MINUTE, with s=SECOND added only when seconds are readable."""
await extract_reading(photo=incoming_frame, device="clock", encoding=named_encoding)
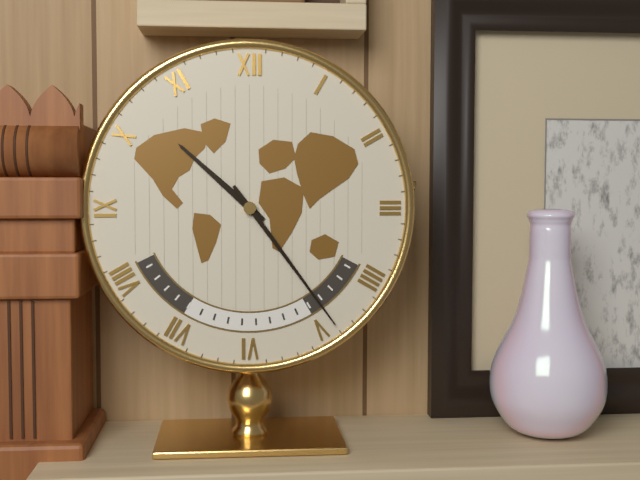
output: h=10 m=24
